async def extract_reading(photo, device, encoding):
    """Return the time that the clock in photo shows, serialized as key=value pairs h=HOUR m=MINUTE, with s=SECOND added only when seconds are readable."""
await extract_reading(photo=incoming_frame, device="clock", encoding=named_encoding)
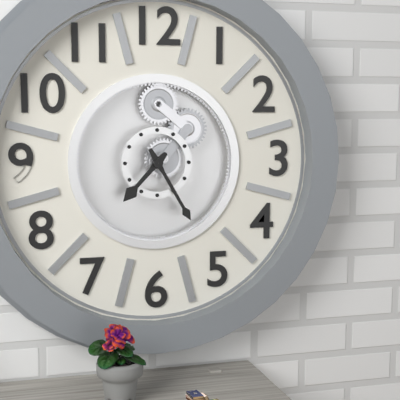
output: h=7 m=25
